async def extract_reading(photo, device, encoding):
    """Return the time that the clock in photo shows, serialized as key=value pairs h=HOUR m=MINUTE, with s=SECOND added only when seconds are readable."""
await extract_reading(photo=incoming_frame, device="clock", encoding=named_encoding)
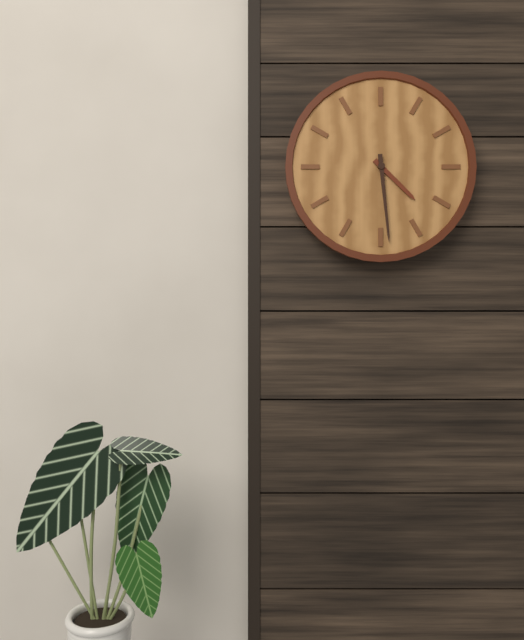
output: h=4 m=29
